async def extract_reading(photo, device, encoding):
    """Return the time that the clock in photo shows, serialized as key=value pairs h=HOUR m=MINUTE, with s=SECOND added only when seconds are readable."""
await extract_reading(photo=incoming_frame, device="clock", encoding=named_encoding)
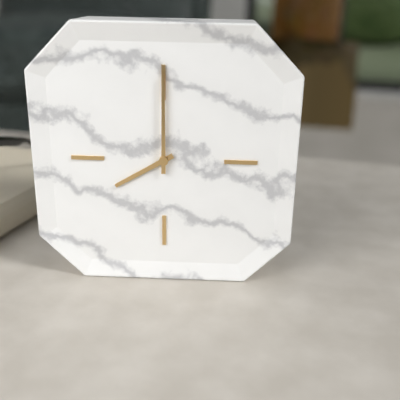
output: h=8 m=0
